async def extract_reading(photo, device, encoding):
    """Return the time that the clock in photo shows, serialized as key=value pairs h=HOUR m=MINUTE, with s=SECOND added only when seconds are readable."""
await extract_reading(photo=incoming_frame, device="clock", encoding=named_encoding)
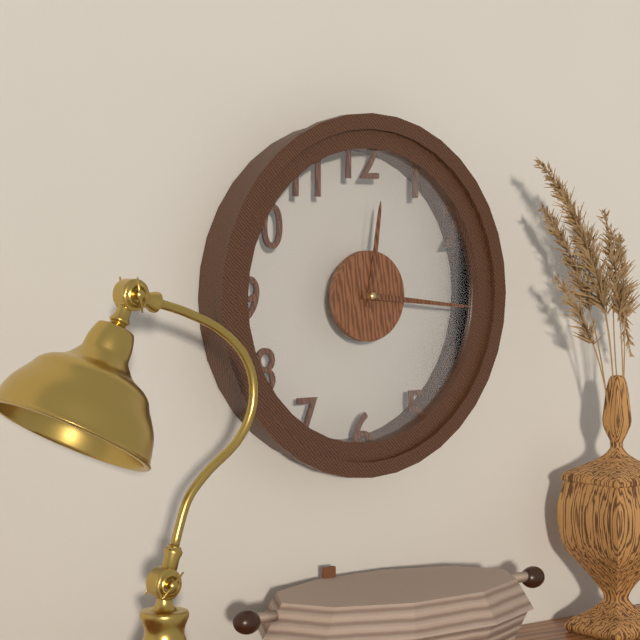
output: h=12 m=16
